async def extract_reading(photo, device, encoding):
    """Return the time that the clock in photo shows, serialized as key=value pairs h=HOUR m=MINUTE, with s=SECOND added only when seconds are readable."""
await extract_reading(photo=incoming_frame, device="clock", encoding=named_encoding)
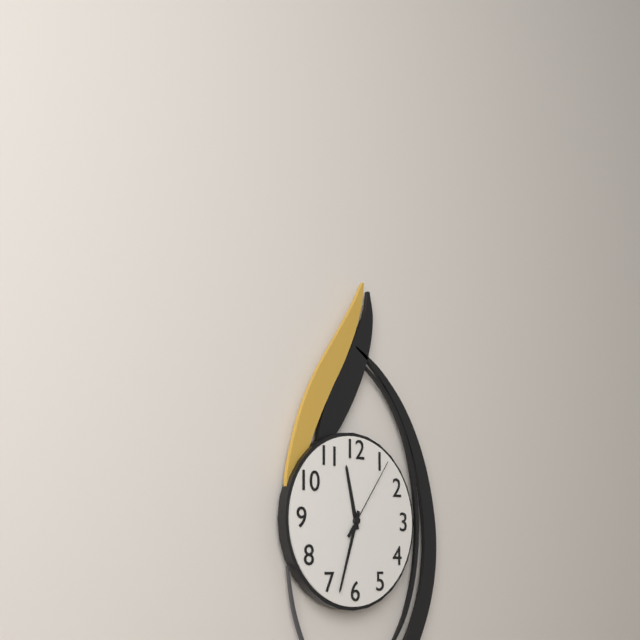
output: h=11 m=33 s=6
